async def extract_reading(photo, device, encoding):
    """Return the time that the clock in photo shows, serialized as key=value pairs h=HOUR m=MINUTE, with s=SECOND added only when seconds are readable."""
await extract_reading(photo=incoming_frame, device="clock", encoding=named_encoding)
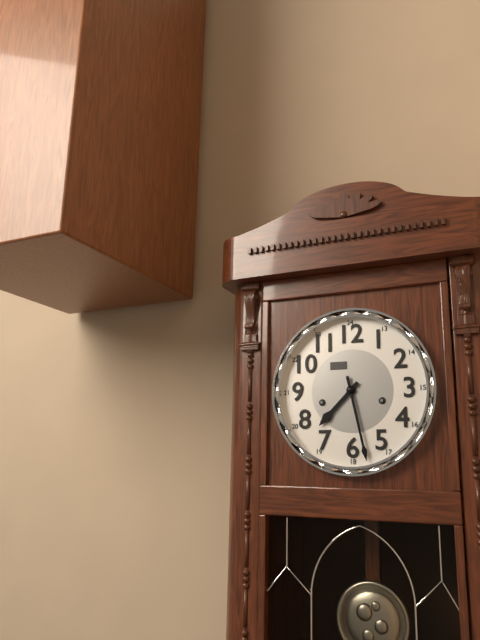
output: h=7 m=28
